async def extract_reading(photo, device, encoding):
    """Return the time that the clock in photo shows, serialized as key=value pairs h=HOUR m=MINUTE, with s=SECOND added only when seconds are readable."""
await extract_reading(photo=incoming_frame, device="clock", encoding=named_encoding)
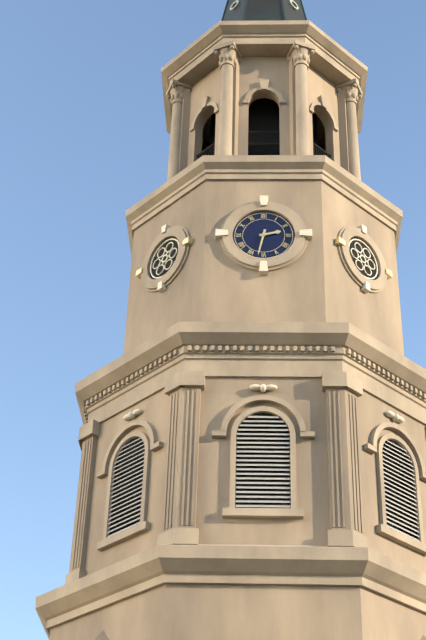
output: h=2 m=32
